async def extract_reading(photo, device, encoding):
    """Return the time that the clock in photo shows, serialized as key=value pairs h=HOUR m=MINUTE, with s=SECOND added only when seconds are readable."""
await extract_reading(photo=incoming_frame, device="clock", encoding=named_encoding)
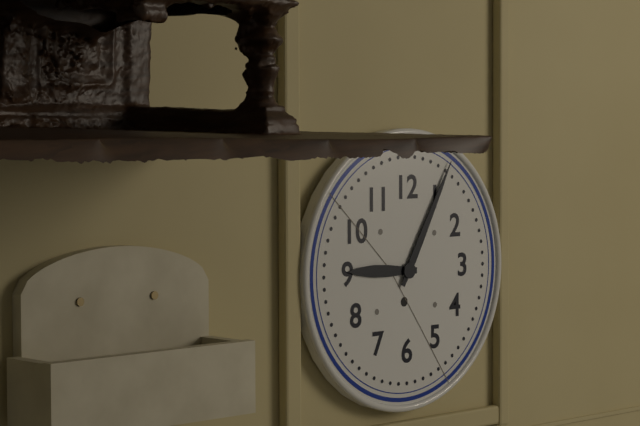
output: h=9 m=5
